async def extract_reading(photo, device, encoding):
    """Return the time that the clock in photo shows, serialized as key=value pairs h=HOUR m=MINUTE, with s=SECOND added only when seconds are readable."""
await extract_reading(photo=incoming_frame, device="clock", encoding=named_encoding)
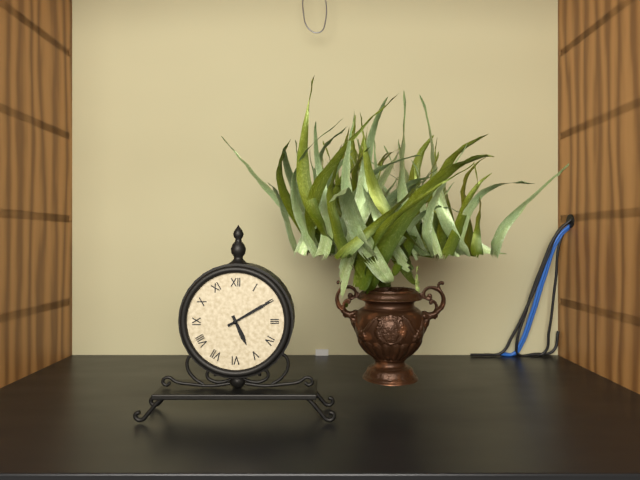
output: h=5 m=10
